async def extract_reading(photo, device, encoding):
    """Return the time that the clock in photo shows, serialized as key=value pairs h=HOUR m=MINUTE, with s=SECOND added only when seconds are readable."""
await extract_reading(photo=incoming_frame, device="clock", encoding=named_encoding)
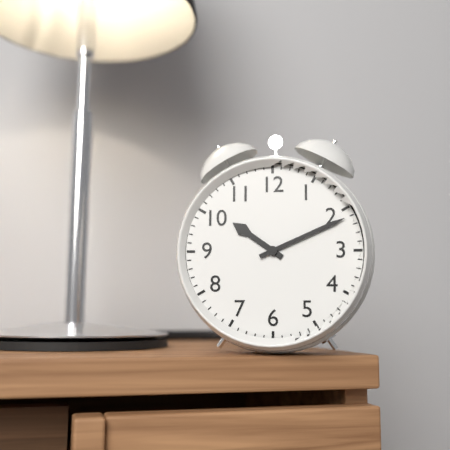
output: h=10 m=11
